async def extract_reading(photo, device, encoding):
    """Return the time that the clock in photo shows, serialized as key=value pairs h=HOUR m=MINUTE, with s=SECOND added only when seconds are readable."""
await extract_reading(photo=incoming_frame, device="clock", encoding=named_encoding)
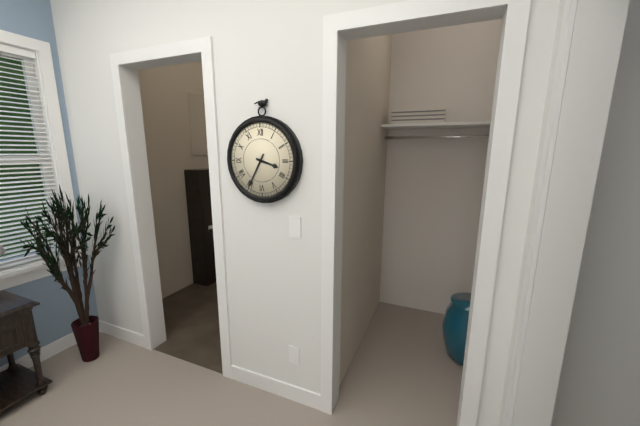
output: h=3 m=35
